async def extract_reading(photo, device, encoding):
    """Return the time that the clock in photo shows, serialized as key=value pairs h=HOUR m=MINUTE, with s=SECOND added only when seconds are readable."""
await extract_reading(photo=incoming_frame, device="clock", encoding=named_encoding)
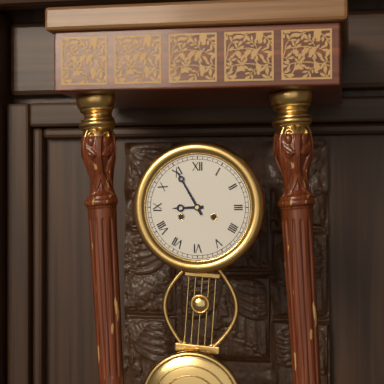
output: h=8 m=55
